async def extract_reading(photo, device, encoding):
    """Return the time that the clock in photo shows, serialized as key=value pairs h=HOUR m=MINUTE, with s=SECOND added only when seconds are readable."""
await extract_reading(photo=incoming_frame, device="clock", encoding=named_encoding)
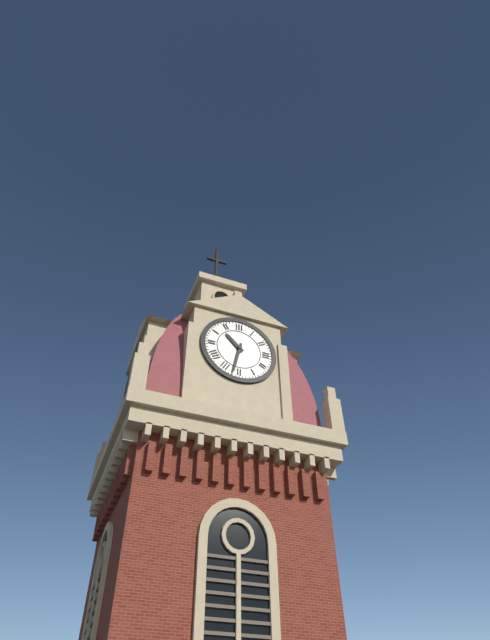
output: h=10 m=32
